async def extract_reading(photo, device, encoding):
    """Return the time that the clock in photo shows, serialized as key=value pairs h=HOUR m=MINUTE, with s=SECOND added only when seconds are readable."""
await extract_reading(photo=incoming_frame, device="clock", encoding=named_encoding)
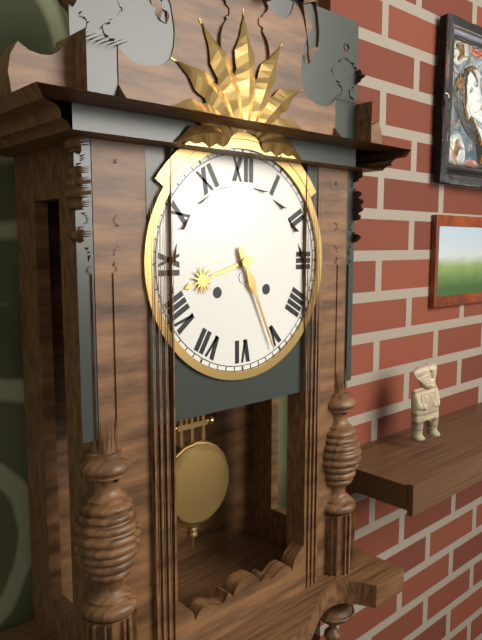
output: h=8 m=26
